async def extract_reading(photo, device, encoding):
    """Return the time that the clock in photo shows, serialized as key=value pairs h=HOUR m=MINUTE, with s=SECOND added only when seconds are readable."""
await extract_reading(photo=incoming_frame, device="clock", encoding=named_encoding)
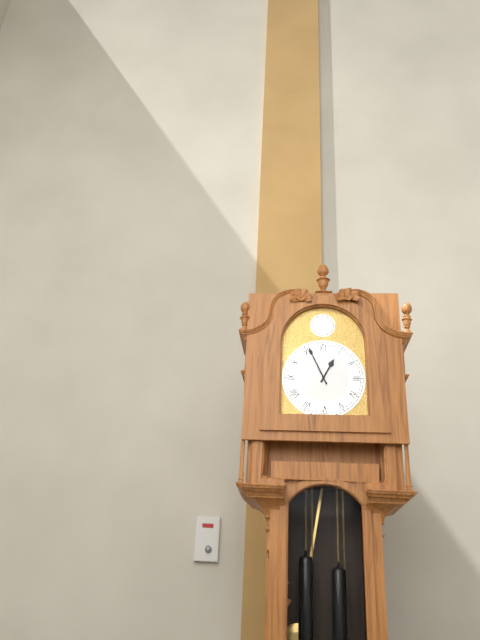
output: h=12 m=56
